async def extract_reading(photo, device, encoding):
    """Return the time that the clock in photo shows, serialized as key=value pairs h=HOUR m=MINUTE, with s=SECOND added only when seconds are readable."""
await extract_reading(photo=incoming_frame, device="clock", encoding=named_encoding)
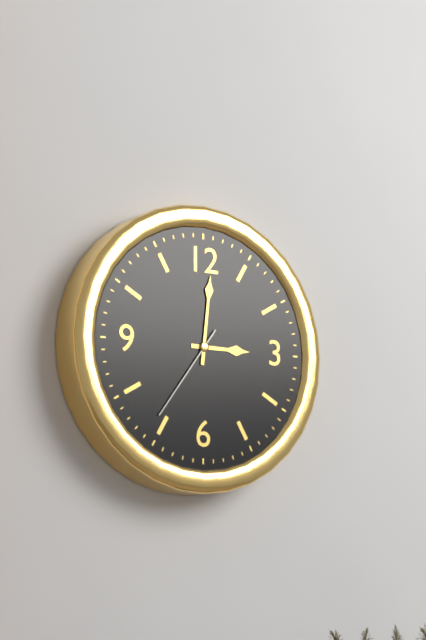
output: h=3 m=1 s=36
